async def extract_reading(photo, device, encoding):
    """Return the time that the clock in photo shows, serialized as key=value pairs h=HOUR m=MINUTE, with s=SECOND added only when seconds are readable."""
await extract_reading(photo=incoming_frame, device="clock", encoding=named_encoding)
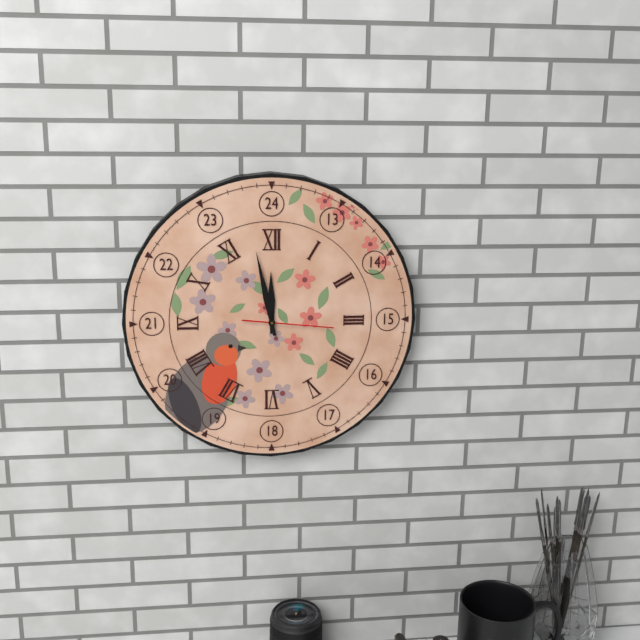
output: h=11 m=58 s=16
